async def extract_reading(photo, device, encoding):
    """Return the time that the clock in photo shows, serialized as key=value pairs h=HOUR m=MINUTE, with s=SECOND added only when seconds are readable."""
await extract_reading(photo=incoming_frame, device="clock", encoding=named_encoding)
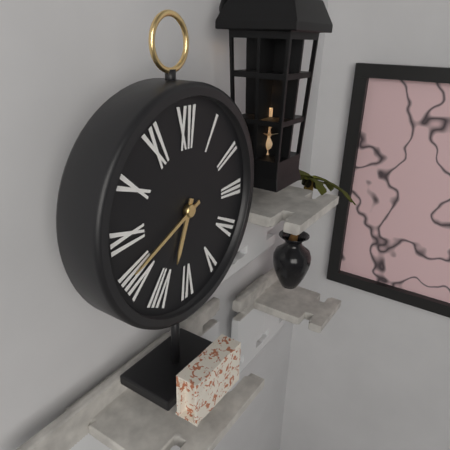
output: h=6 m=41
